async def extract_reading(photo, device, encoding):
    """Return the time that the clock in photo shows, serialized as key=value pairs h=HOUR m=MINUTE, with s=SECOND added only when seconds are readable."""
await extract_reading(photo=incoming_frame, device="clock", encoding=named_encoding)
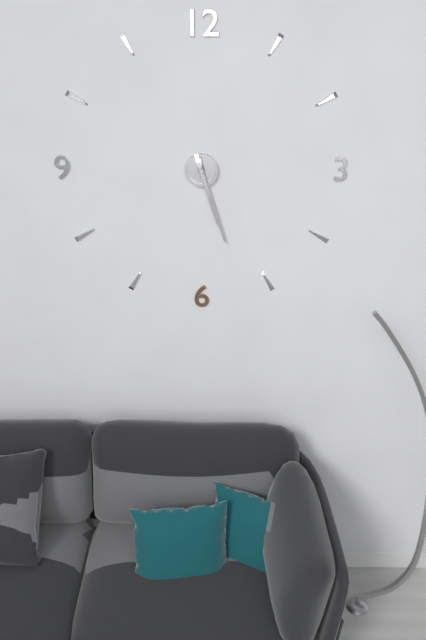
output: h=5 m=27
